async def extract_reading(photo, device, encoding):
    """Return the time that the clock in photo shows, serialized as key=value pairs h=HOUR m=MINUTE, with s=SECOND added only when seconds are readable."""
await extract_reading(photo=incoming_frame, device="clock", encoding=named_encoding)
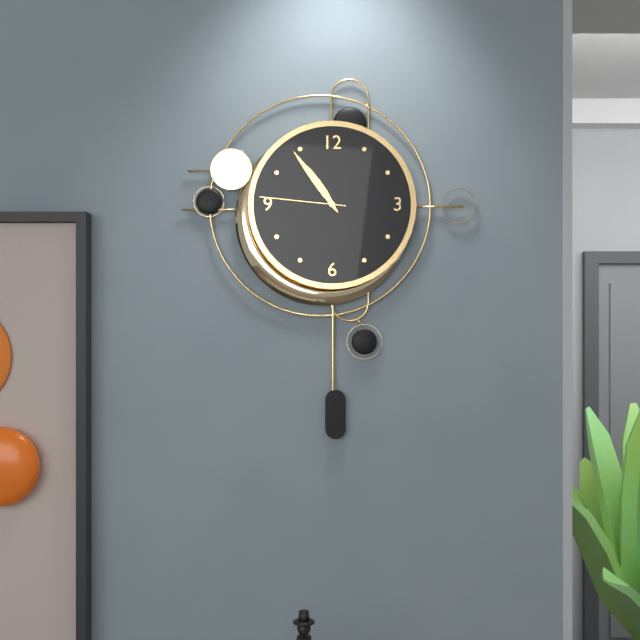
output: h=10 m=54 s=46
